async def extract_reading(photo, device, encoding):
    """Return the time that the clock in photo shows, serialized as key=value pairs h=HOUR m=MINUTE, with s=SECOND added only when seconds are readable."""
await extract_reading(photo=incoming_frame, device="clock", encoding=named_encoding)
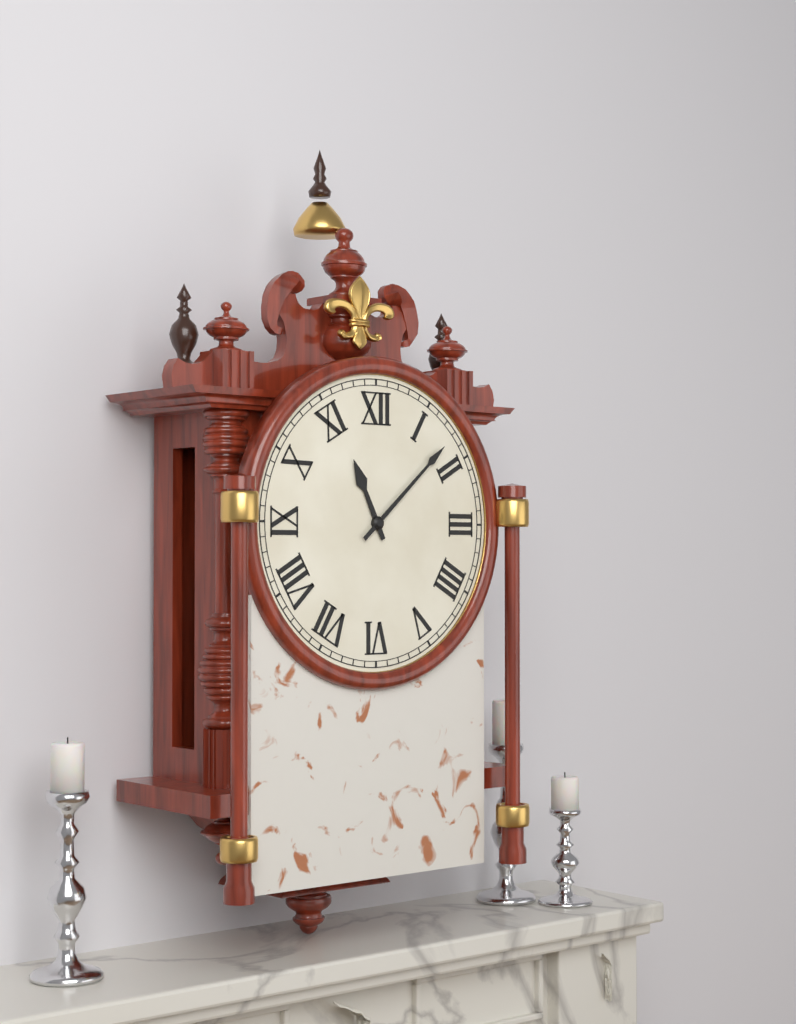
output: h=11 m=8
